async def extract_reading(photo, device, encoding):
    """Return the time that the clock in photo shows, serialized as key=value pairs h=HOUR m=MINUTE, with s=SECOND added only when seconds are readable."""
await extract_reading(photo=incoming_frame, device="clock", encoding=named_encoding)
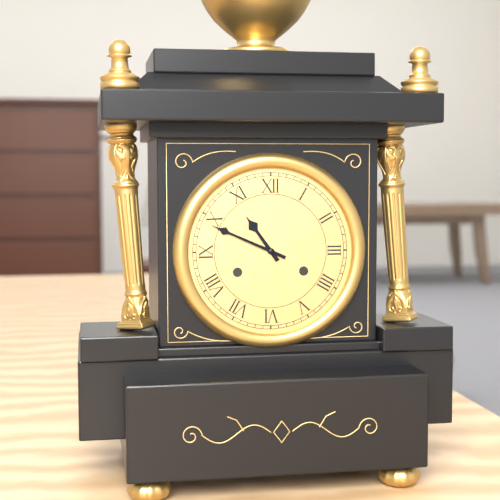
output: h=10 m=49
